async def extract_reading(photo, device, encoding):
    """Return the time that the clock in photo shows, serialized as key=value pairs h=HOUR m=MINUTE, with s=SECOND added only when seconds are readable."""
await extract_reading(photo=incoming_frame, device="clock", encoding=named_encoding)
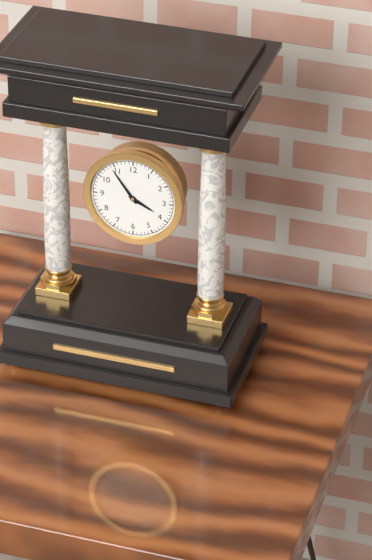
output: h=3 m=54
